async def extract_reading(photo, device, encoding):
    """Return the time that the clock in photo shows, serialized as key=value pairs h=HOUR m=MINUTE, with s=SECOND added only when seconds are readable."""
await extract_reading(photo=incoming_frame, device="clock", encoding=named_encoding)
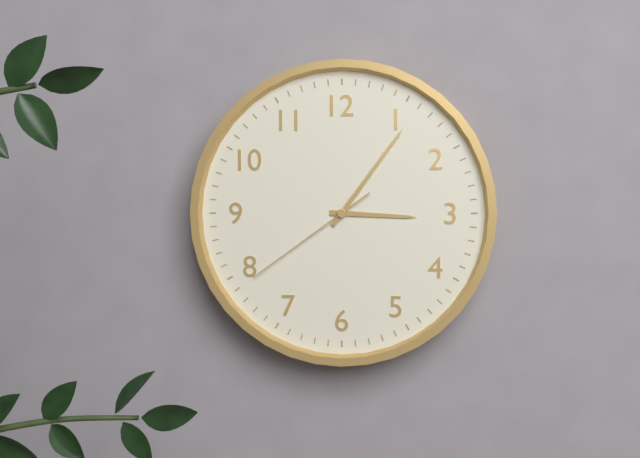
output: h=3 m=6 s=39
